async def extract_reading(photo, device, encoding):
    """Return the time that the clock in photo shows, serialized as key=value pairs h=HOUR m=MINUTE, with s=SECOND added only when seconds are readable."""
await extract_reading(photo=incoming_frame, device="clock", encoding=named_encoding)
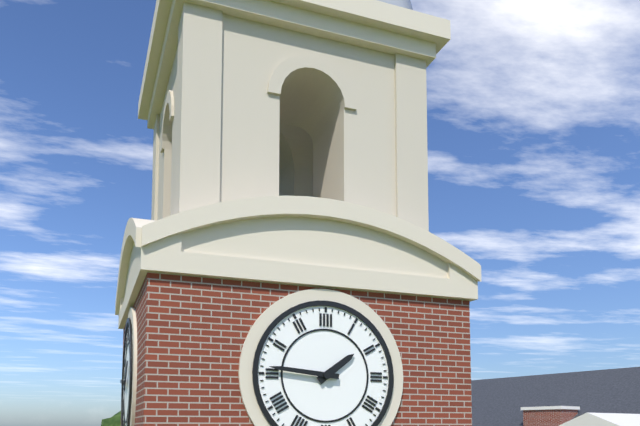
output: h=1 m=46
